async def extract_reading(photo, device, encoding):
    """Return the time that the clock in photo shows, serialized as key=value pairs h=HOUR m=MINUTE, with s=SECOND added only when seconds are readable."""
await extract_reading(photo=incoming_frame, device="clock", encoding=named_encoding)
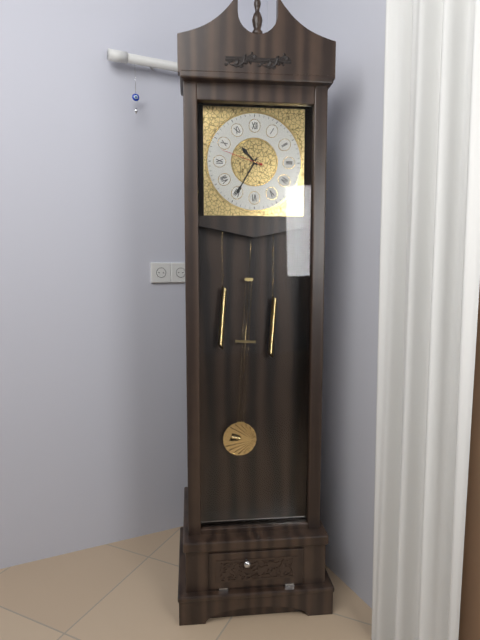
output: h=10 m=35
